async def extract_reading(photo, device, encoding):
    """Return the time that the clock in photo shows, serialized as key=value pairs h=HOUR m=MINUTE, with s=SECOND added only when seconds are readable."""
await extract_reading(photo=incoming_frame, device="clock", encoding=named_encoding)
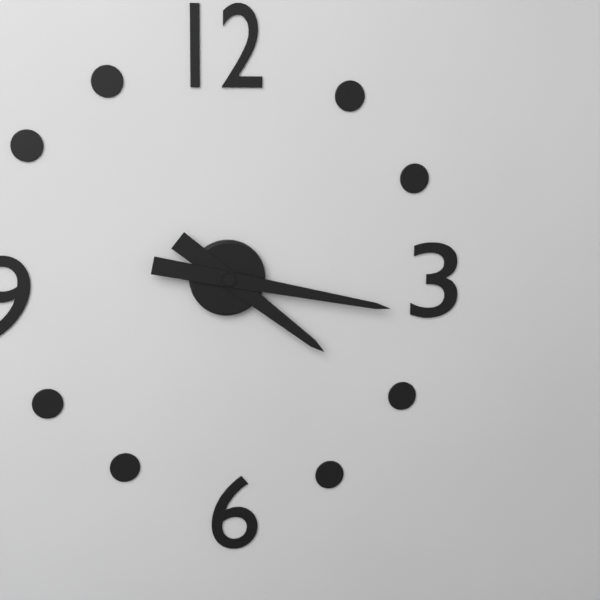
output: h=4 m=17
